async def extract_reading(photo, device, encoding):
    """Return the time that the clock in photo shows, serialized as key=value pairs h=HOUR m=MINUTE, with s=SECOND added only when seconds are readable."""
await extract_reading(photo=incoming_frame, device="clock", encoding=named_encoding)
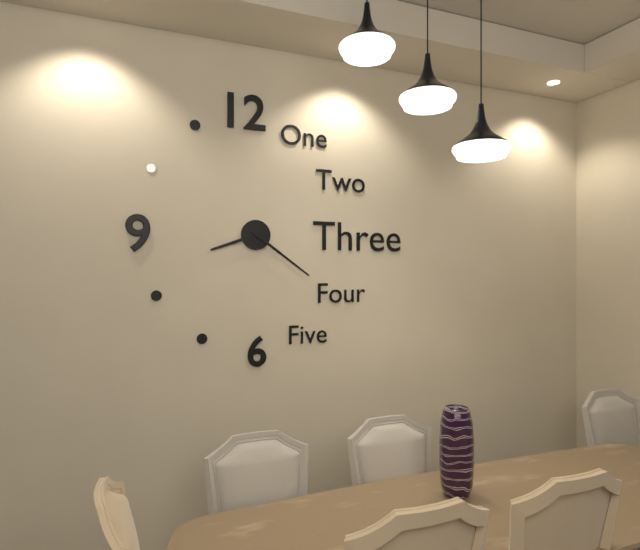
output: h=8 m=21
